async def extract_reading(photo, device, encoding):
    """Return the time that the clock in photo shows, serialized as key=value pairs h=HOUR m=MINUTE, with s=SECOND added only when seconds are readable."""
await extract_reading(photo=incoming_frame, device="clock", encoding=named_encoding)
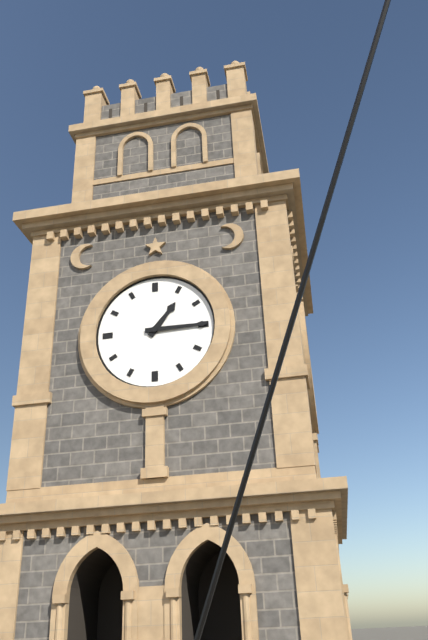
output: h=1 m=15
